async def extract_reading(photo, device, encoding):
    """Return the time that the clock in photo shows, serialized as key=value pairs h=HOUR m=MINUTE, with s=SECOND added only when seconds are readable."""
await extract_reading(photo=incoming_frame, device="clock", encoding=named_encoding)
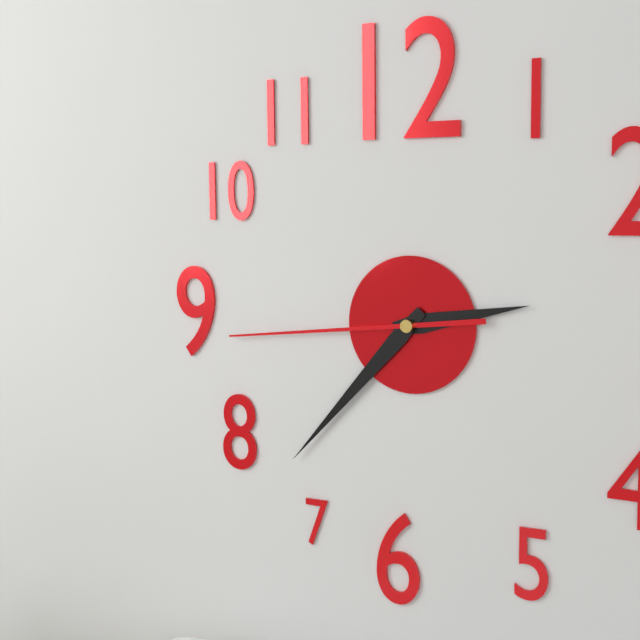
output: h=2 m=37 s=44
